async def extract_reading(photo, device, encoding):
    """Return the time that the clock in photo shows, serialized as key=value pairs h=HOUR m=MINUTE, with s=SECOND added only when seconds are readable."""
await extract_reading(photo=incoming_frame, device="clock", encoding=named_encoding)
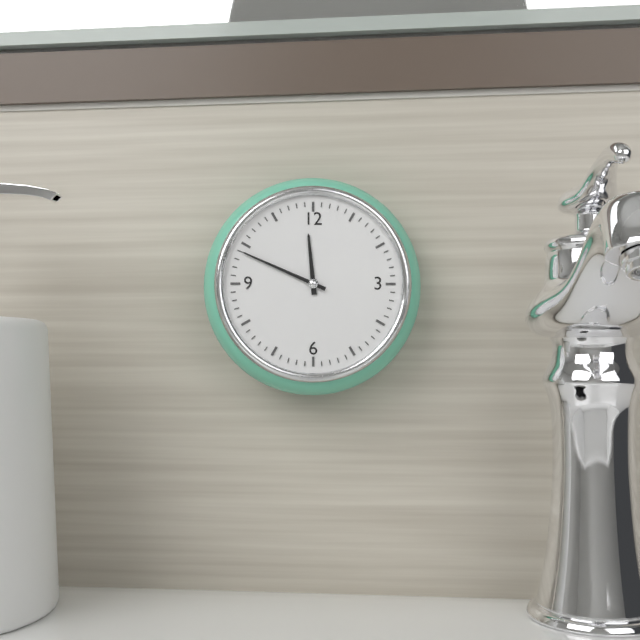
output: h=11 m=49
